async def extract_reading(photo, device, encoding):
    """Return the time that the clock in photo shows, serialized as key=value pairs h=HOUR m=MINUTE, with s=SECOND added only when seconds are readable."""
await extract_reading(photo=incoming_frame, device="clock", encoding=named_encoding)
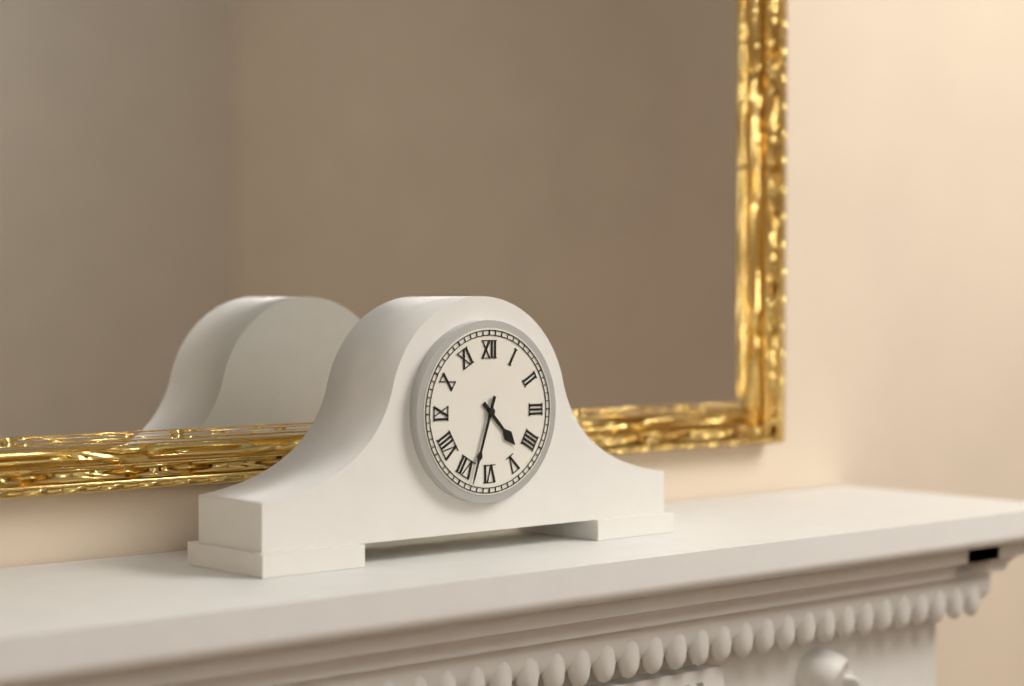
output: h=4 m=33
